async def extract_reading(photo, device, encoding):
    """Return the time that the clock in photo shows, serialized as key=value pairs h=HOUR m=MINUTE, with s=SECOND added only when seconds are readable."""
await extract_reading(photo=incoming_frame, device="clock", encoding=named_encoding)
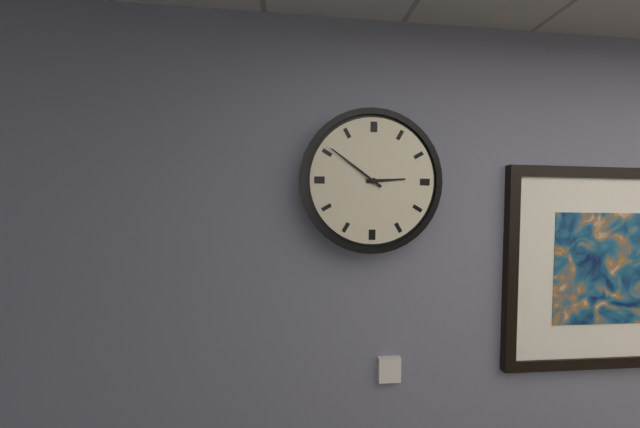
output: h=2 m=51
